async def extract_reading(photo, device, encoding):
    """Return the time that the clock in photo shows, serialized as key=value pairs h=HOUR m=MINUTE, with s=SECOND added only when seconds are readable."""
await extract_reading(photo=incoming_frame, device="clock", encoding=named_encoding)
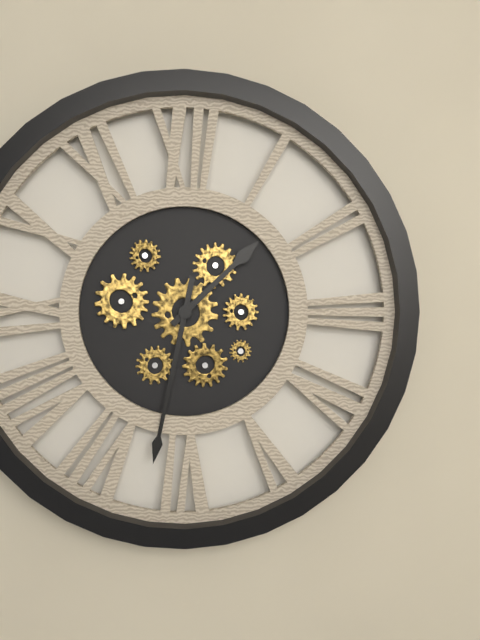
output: h=1 m=32
